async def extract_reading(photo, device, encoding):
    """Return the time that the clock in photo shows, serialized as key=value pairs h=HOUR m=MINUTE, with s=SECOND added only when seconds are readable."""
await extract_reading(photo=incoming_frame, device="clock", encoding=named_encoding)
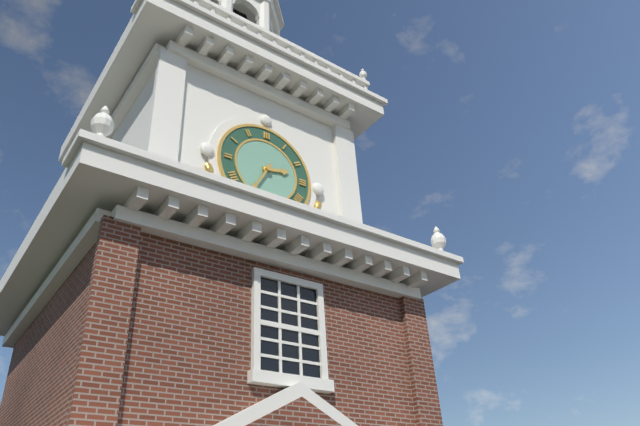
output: h=2 m=35
